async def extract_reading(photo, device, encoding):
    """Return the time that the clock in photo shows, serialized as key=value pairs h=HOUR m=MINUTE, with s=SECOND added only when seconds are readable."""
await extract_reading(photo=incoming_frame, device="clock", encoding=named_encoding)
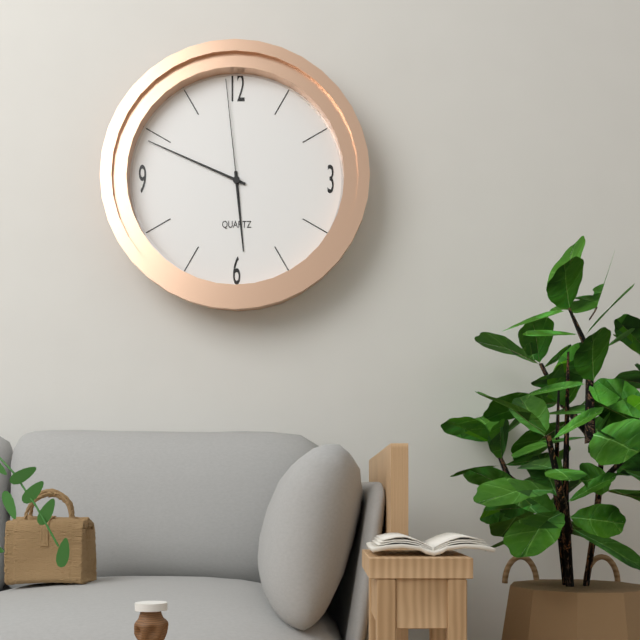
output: h=5 m=49 s=59
